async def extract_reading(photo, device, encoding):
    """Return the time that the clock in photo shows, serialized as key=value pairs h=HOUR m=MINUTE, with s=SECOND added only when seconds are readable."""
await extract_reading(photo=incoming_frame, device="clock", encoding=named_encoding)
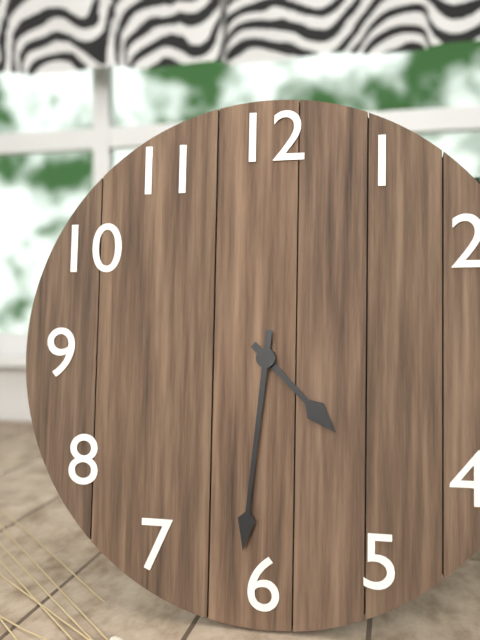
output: h=4 m=31
